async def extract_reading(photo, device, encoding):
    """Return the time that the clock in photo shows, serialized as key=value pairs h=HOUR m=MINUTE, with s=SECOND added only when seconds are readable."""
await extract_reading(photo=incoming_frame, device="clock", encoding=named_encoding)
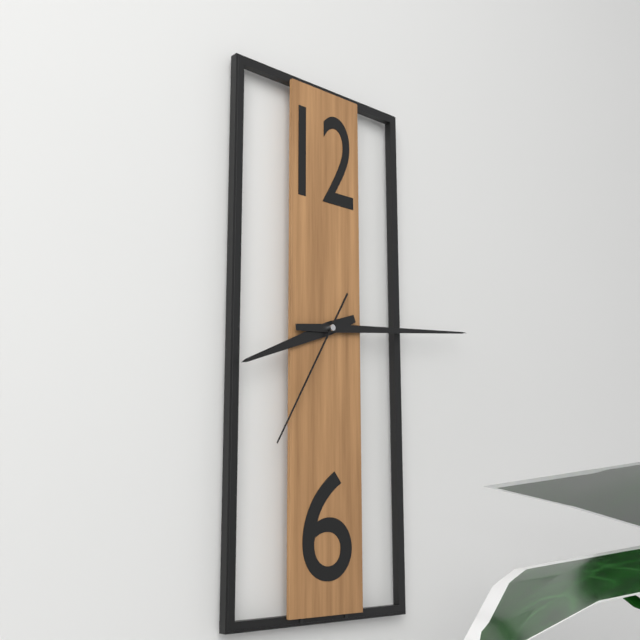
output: h=8 m=14 s=35
